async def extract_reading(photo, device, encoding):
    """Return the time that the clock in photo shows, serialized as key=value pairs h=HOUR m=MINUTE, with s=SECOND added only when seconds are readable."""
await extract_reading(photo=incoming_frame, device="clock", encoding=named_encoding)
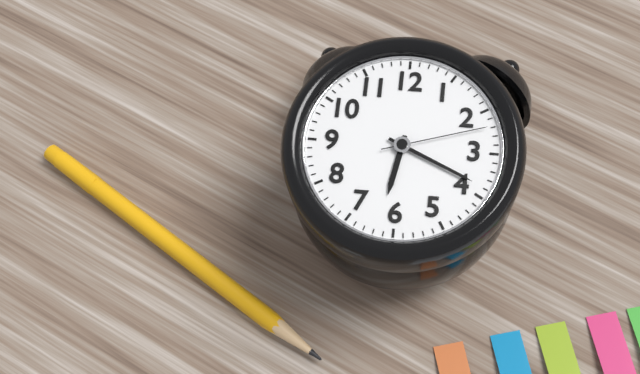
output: h=6 m=19 s=12
